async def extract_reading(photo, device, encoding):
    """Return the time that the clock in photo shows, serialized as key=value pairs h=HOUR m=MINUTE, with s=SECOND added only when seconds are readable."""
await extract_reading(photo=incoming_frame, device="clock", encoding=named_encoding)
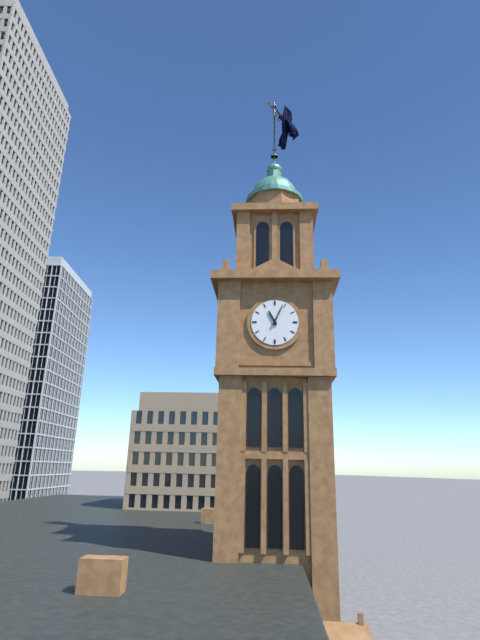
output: h=11 m=4
